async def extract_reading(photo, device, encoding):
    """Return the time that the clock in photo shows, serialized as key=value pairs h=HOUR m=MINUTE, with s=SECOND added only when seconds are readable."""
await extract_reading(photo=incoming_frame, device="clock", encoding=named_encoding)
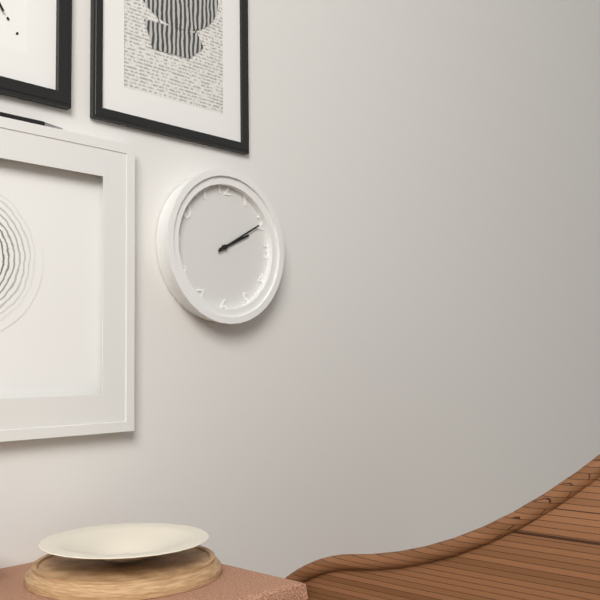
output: h=2 m=10
